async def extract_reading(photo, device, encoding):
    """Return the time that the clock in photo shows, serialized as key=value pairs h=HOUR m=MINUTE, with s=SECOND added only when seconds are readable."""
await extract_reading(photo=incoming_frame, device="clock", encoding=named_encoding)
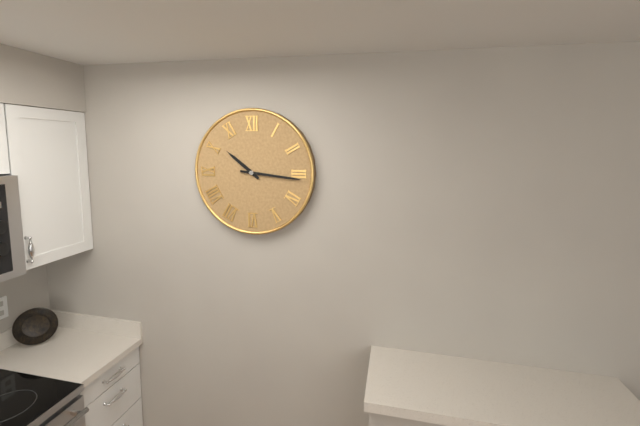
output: h=10 m=16
